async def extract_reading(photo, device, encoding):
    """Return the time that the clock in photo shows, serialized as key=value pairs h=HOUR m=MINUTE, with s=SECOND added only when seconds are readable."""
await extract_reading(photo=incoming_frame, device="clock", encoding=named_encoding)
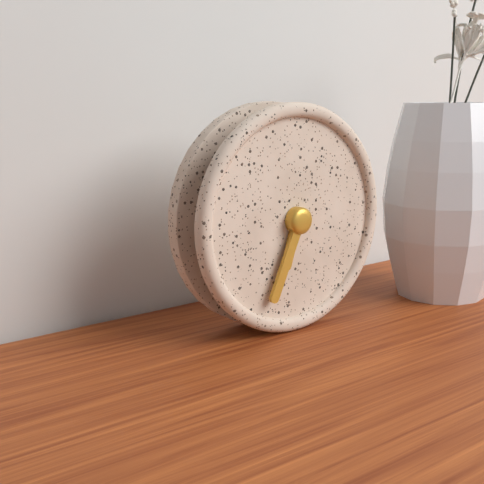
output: h=6 m=34
